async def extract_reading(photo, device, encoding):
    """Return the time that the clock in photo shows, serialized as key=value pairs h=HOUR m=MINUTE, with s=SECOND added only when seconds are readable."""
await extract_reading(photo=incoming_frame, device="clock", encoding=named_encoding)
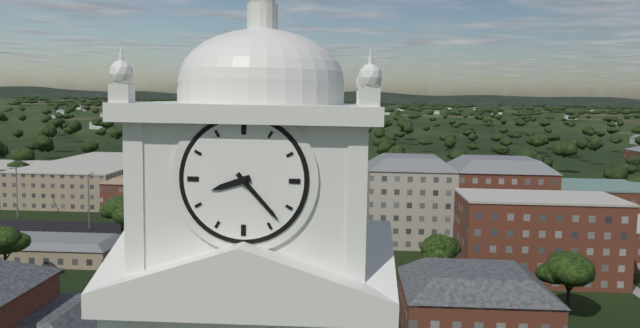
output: h=8 m=23
